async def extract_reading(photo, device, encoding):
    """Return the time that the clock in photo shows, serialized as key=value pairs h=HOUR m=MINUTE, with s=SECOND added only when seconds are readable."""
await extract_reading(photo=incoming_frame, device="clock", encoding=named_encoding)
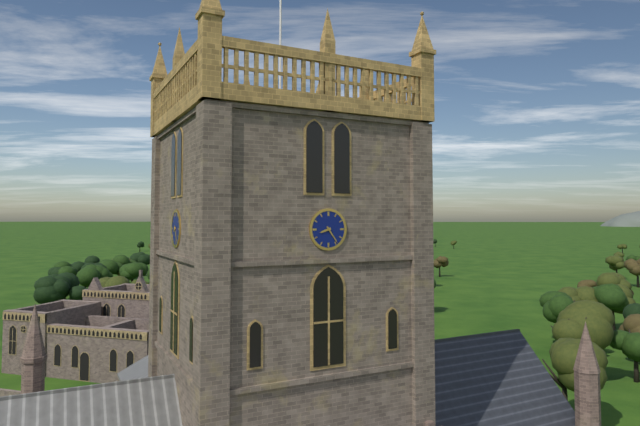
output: h=8 m=24
